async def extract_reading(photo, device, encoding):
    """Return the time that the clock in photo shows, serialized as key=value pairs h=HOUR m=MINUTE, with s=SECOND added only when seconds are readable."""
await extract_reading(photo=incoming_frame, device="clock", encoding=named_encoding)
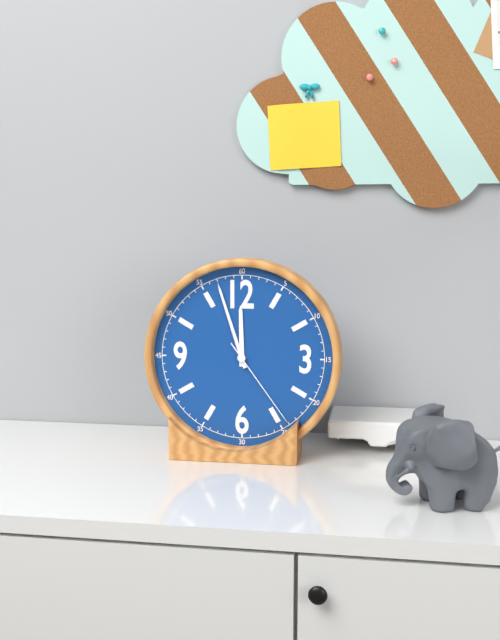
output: h=11 m=57 s=24
